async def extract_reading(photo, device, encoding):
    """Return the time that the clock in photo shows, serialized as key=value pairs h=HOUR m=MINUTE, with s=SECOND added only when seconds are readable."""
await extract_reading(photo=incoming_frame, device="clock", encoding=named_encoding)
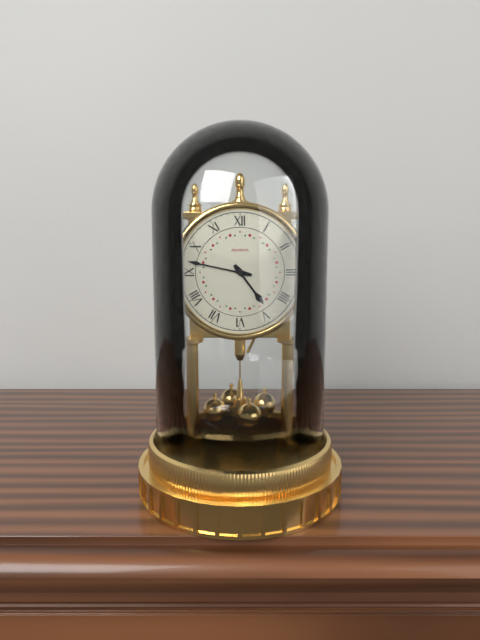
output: h=4 m=47
